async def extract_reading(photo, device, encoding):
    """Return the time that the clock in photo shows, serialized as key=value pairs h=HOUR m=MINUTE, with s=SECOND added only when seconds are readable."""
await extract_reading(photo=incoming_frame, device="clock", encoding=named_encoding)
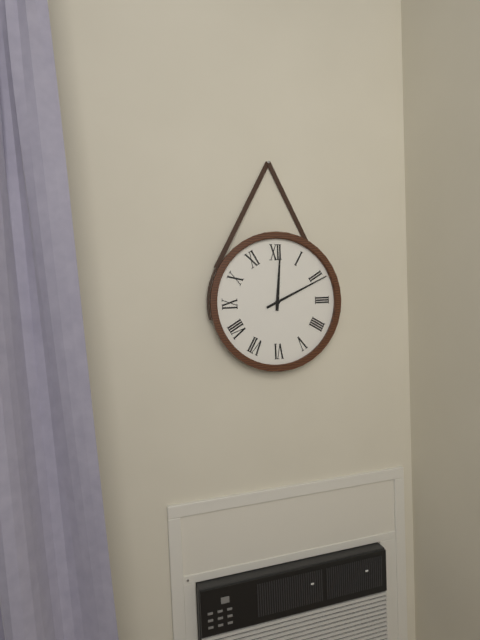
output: h=12 m=11
